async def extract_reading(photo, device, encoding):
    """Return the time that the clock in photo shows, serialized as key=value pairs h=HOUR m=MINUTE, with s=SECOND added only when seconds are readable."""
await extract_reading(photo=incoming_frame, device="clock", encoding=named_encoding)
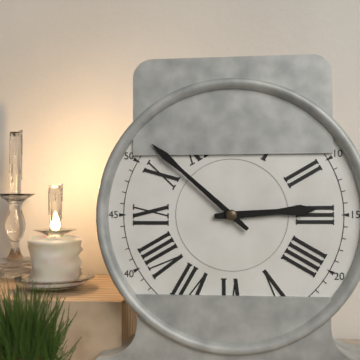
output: h=2 m=52
